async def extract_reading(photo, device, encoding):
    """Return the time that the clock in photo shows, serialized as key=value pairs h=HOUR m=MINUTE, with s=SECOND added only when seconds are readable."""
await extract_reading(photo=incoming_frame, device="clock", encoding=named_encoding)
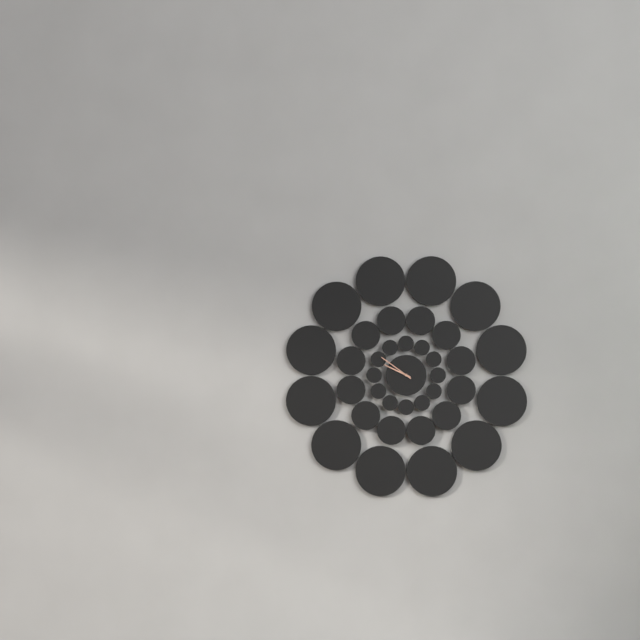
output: h=9 m=51
